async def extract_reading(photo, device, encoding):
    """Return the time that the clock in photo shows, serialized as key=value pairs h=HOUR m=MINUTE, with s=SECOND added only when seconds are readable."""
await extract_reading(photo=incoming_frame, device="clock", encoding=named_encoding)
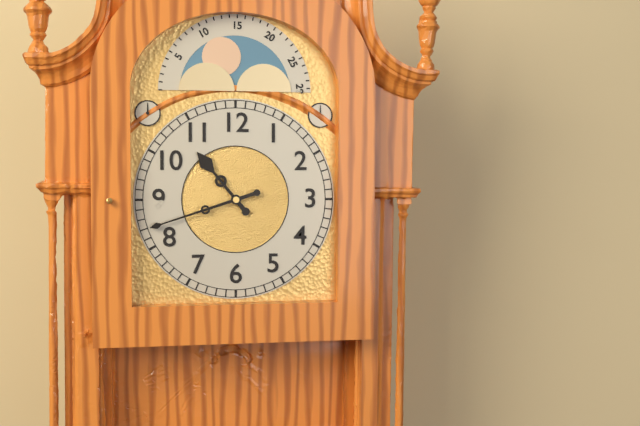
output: h=10 m=42
